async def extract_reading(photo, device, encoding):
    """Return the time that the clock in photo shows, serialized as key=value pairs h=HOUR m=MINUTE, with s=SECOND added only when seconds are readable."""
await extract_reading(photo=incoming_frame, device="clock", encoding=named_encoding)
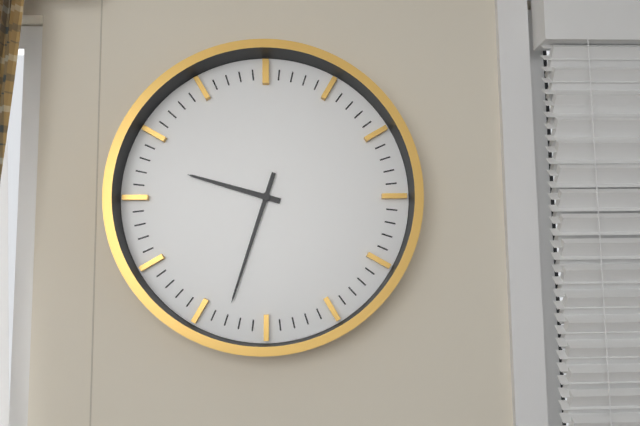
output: h=9 m=33
